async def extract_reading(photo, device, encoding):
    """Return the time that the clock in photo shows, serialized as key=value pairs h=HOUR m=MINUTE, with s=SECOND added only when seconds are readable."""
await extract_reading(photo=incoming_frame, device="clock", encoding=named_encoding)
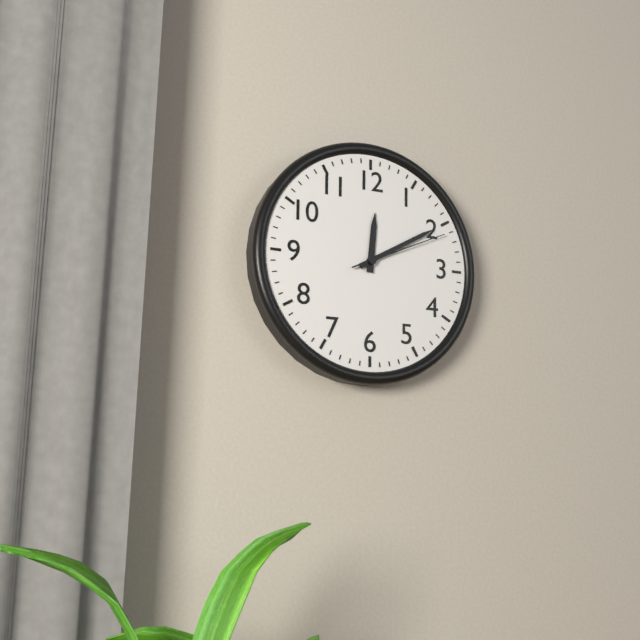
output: h=12 m=10 s=11
